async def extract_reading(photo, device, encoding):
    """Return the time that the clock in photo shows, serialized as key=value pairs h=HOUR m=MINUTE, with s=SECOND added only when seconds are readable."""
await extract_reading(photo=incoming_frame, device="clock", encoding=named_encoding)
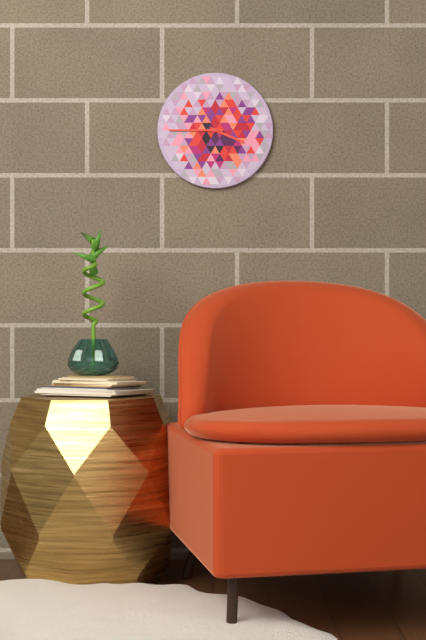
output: h=3 m=45
